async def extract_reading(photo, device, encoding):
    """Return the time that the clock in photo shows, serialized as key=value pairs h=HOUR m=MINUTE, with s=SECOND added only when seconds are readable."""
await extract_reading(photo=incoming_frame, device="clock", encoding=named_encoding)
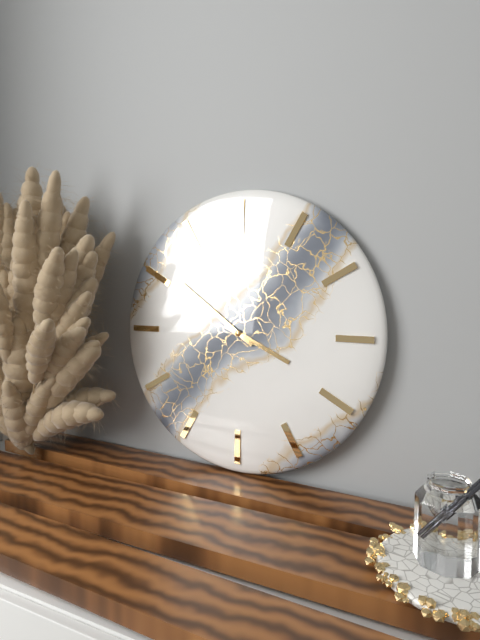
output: h=3 m=51
